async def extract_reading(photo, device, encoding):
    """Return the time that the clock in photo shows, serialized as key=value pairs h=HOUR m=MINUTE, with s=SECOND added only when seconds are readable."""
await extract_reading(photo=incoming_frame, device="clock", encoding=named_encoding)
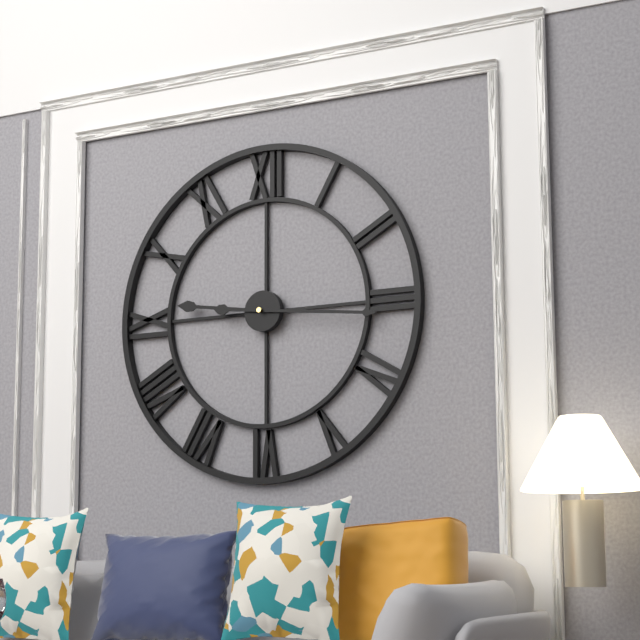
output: h=9 m=16
